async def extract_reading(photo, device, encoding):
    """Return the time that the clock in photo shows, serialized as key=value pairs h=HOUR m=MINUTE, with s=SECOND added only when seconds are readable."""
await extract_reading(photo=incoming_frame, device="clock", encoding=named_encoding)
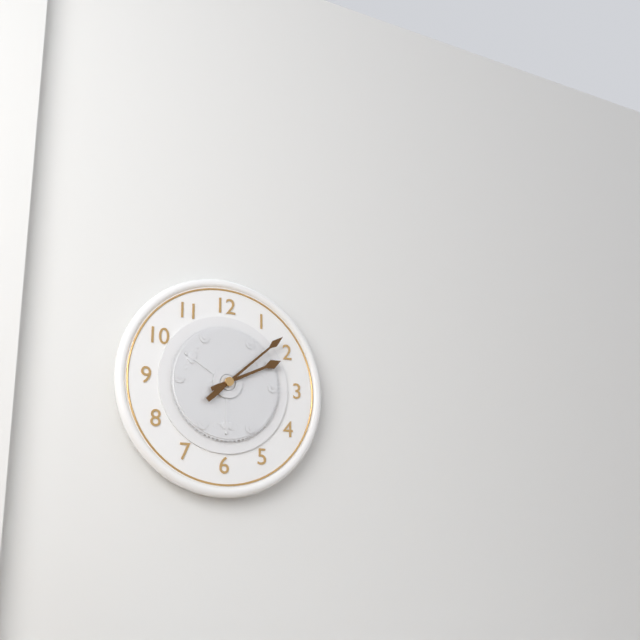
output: h=2 m=8
